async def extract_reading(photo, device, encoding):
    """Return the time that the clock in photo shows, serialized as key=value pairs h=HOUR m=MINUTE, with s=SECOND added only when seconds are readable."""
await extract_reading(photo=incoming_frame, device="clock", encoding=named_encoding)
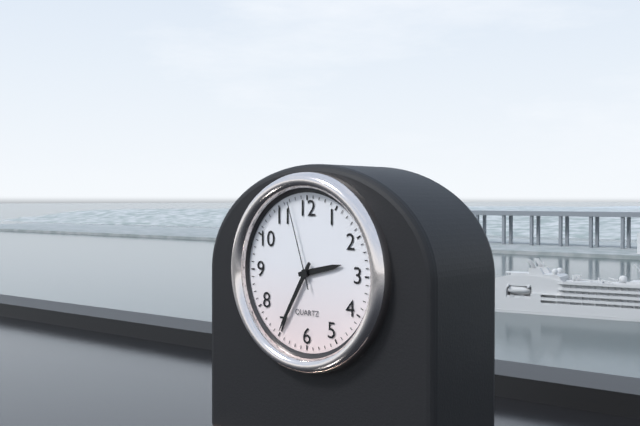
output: h=2 m=35 s=57
